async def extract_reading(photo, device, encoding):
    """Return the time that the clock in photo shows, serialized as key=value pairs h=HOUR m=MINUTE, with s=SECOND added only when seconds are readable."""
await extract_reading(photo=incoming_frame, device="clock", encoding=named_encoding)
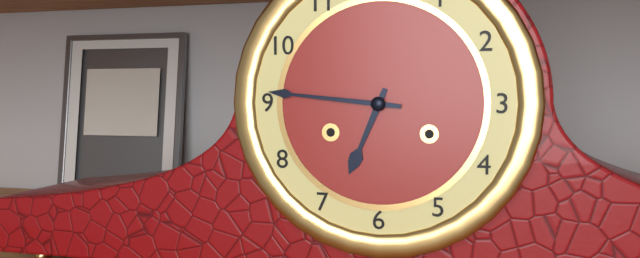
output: h=6 m=46
